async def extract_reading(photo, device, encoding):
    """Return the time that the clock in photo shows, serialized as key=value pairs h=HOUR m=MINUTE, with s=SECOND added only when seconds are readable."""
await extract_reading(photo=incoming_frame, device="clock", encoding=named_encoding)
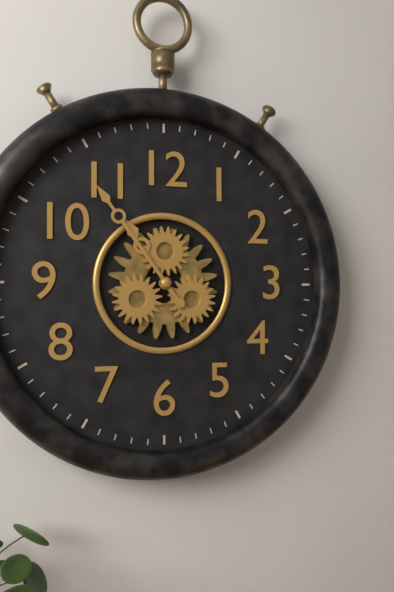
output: h=10 m=54
